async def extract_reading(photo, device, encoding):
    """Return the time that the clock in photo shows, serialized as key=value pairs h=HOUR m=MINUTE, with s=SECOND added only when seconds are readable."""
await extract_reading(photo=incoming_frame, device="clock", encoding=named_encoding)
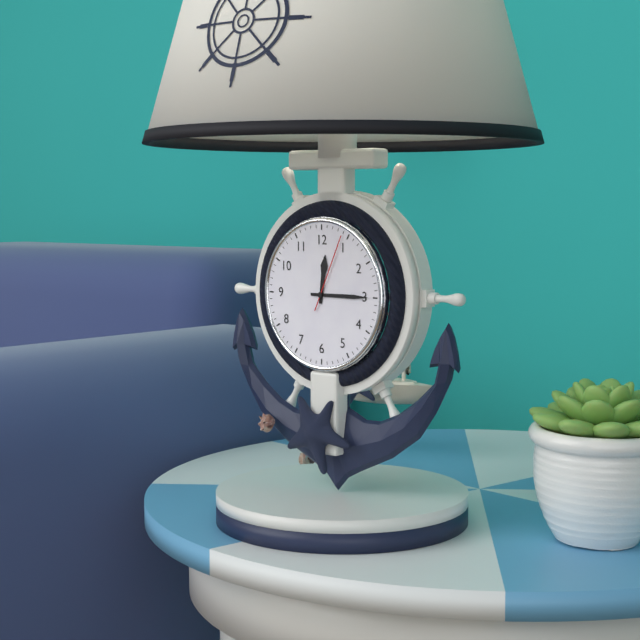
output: h=12 m=15 s=4
